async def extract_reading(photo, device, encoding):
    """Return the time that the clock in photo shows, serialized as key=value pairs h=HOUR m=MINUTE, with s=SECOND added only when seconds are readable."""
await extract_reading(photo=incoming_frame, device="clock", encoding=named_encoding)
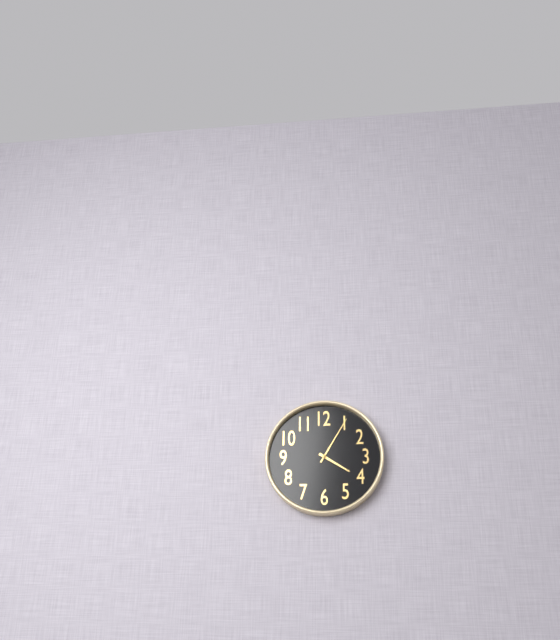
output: h=4 m=5
